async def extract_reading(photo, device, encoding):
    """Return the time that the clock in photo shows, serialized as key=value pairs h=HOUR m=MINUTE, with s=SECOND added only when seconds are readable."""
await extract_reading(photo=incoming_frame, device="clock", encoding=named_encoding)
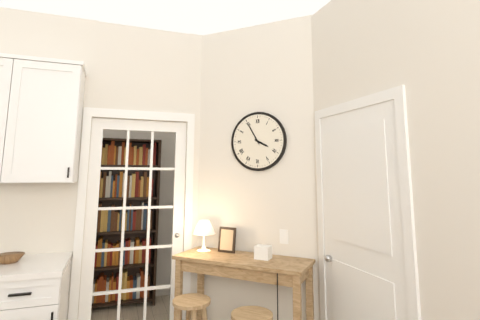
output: h=3 m=55
